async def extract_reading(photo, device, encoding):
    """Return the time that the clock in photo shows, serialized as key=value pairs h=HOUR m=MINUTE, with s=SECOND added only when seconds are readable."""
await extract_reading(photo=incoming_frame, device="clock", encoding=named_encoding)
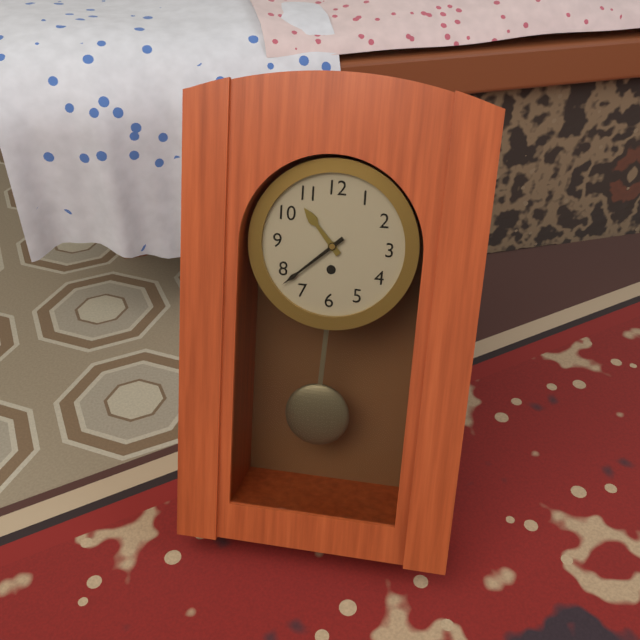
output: h=10 m=38
